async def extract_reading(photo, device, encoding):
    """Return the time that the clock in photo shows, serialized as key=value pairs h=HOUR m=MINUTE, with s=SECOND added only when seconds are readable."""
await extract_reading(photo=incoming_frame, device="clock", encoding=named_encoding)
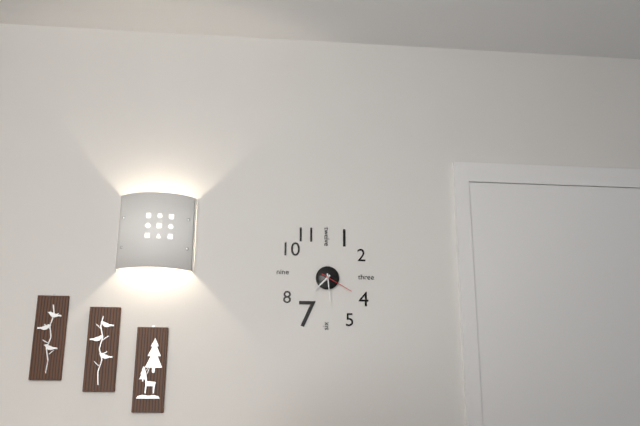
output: h=7 m=29
